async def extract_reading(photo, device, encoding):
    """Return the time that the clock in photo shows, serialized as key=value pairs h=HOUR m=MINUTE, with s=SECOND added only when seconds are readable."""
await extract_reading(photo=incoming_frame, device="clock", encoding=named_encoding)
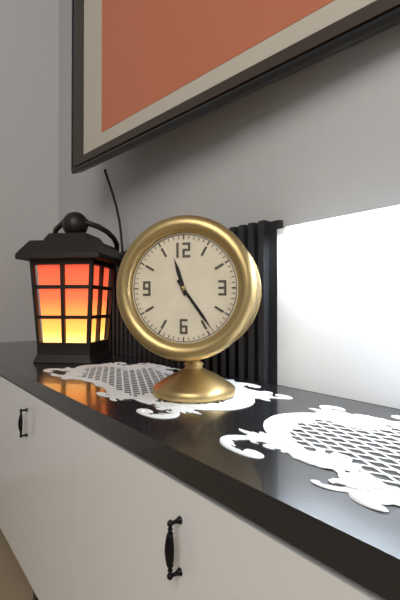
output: h=11 m=24
